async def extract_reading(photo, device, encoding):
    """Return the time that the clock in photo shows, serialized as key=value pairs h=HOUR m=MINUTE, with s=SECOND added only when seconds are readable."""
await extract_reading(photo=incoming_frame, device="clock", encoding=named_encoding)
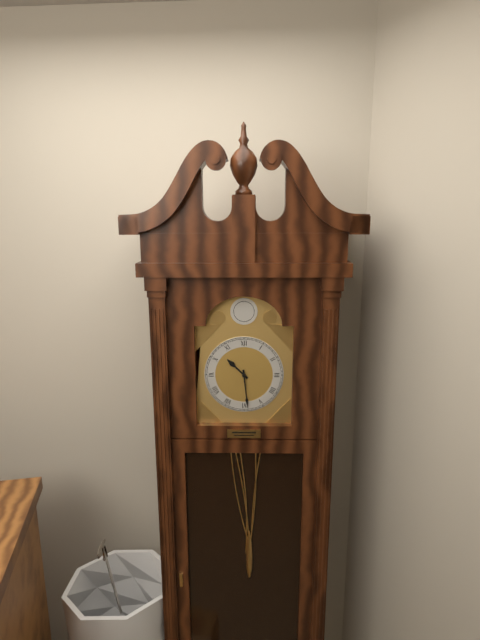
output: h=10 m=29
